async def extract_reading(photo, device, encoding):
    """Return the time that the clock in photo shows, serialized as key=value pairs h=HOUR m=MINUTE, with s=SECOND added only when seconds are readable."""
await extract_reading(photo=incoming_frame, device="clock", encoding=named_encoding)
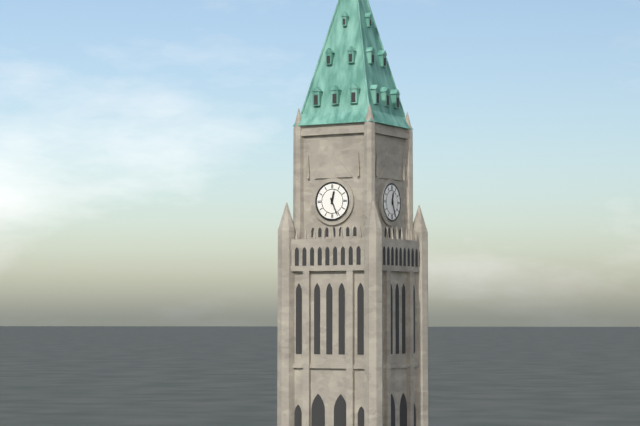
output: h=12 m=26
